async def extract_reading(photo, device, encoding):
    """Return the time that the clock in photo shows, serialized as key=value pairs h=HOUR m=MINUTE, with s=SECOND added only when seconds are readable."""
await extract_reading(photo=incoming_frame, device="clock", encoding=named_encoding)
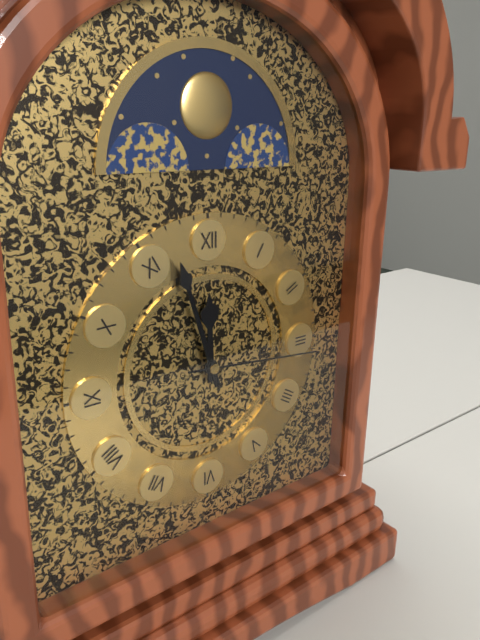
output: h=11 m=57 s=16
